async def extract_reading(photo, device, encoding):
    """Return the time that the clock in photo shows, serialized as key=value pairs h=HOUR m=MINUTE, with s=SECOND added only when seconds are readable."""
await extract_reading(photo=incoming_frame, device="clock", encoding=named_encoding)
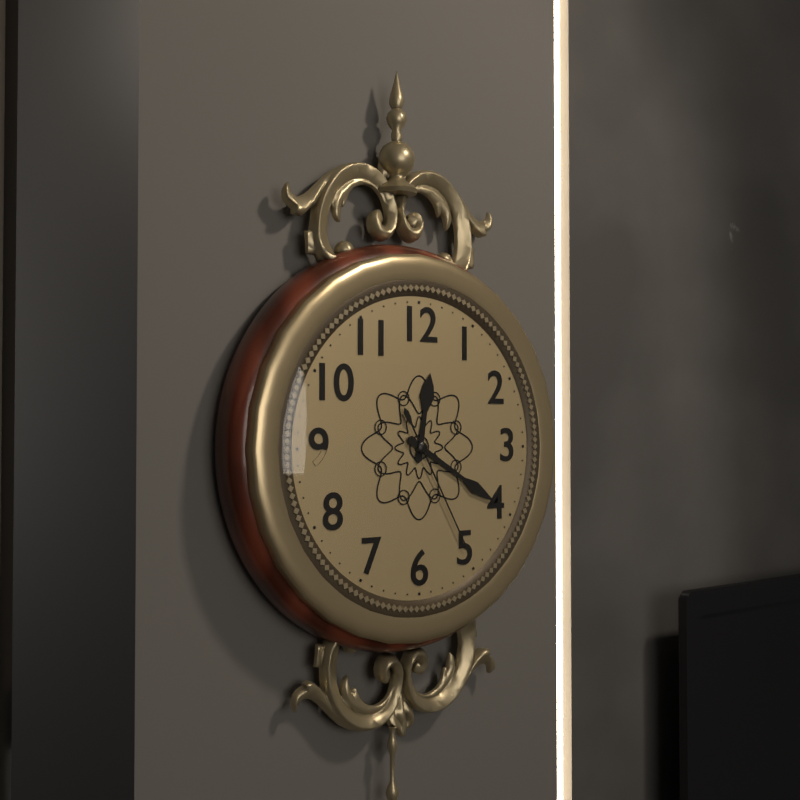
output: h=12 m=20 s=25
